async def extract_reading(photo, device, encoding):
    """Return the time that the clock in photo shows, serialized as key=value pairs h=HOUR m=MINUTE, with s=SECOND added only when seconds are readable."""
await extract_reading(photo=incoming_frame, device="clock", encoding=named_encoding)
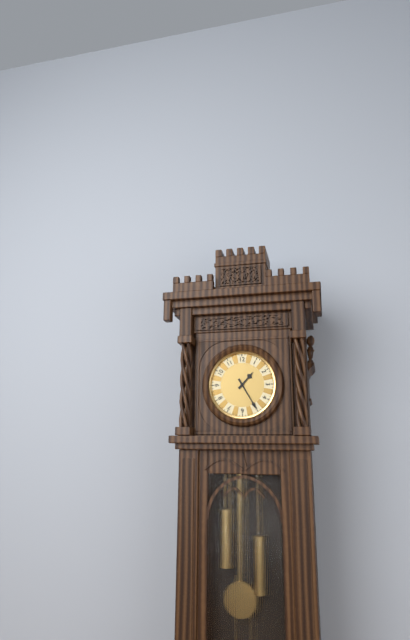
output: h=1 m=25
